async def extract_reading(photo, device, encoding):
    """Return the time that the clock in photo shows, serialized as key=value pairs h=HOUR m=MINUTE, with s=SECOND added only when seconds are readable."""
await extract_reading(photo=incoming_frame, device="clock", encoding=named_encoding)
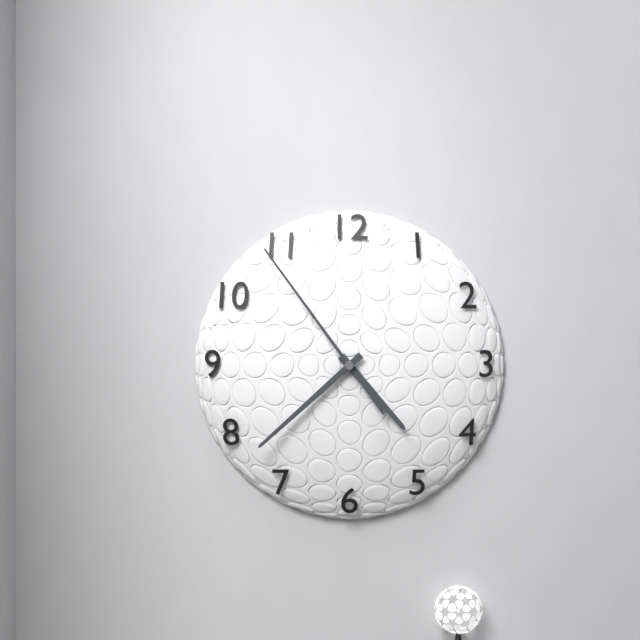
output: h=4 m=38 s=54
